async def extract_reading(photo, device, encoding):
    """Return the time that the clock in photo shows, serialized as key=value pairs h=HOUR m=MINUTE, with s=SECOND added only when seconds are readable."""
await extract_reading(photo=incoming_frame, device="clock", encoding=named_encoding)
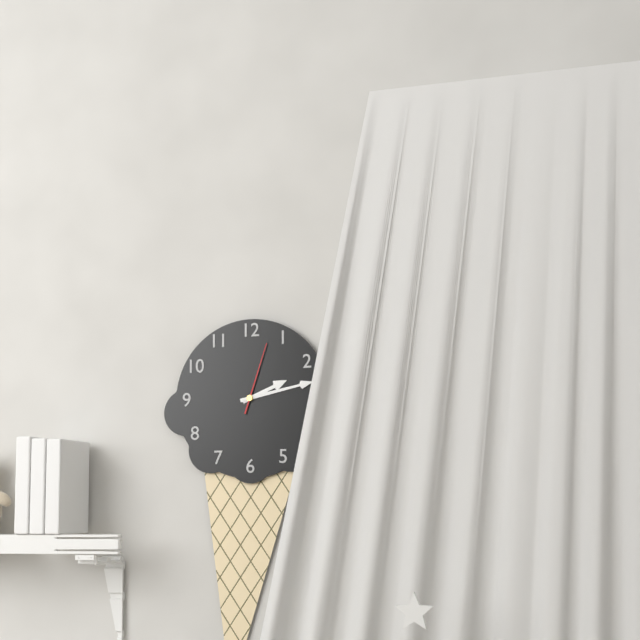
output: h=2 m=13 s=3
